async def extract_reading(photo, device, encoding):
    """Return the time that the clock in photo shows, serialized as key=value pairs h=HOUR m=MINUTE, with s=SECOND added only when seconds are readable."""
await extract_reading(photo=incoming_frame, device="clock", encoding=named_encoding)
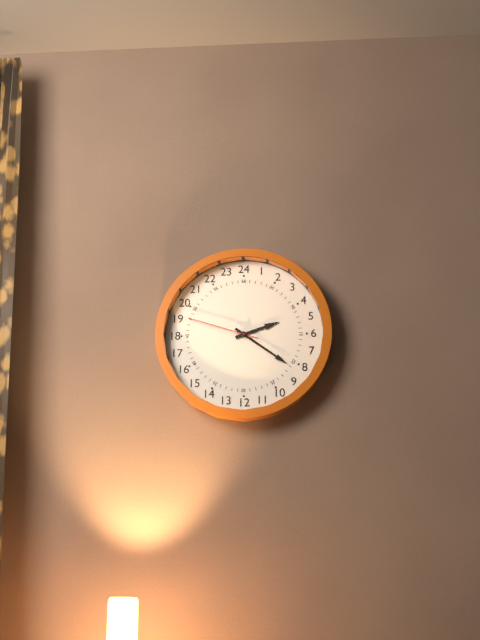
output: h=2 m=21 s=48
